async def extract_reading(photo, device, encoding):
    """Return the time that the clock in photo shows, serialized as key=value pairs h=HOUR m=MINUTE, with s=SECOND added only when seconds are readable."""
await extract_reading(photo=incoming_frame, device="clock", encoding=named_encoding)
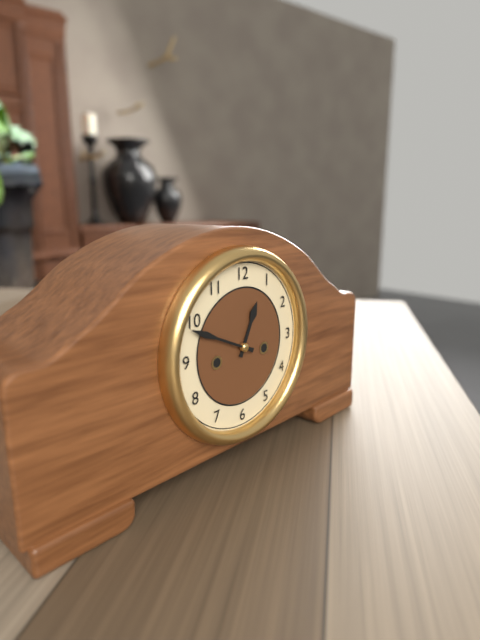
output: h=12 m=49
